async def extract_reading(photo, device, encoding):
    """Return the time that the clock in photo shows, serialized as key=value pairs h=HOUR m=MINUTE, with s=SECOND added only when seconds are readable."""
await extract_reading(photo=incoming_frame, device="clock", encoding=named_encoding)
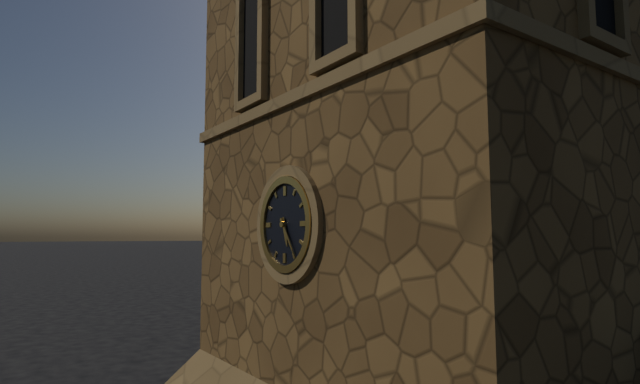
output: h=5 m=24
